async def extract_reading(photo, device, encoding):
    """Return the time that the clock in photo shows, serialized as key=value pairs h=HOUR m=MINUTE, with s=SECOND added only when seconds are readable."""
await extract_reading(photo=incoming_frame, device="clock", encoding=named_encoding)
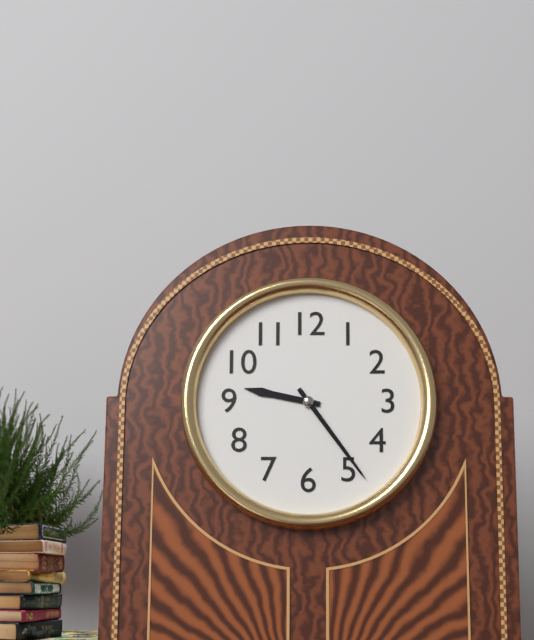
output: h=9 m=24
